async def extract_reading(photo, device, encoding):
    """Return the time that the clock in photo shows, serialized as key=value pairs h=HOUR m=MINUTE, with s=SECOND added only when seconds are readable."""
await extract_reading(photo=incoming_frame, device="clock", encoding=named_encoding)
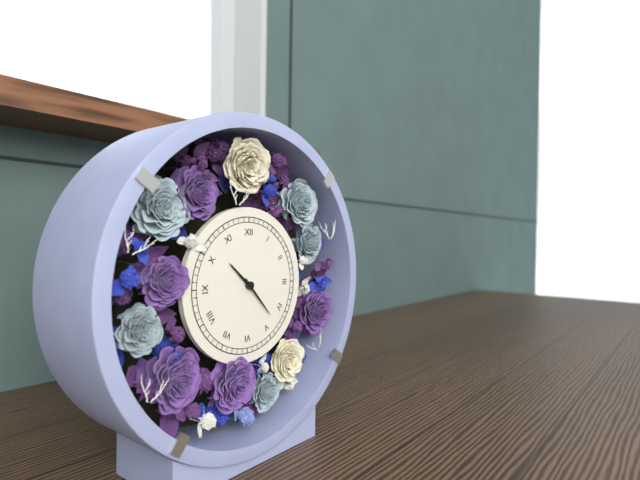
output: h=10 m=23
